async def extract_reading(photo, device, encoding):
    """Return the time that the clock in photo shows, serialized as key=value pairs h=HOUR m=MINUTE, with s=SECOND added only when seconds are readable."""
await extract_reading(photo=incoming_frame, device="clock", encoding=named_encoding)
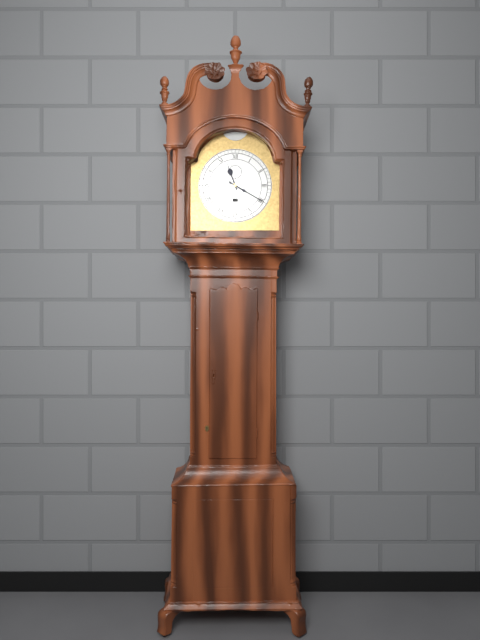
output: h=11 m=20
